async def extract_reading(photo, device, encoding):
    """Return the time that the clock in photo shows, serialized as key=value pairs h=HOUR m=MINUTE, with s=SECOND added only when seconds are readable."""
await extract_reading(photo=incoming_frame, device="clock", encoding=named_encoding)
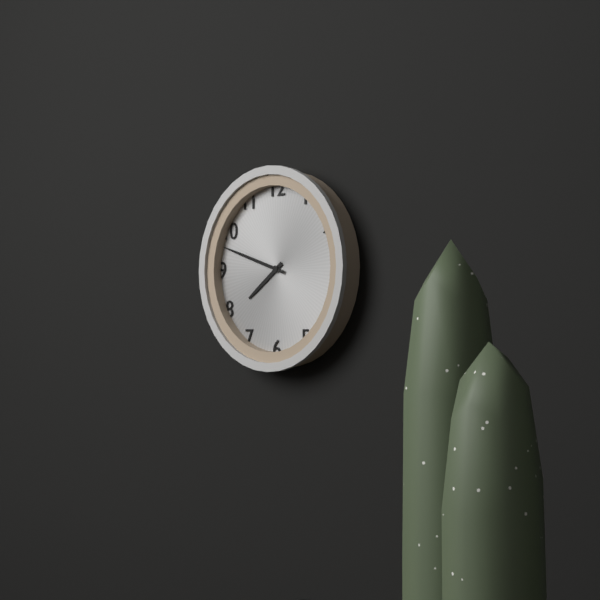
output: h=7 m=48
